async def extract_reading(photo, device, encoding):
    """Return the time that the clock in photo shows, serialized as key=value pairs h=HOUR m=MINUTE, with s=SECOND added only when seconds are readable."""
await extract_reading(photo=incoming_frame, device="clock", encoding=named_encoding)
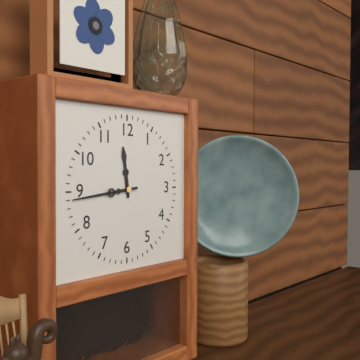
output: h=11 m=44
